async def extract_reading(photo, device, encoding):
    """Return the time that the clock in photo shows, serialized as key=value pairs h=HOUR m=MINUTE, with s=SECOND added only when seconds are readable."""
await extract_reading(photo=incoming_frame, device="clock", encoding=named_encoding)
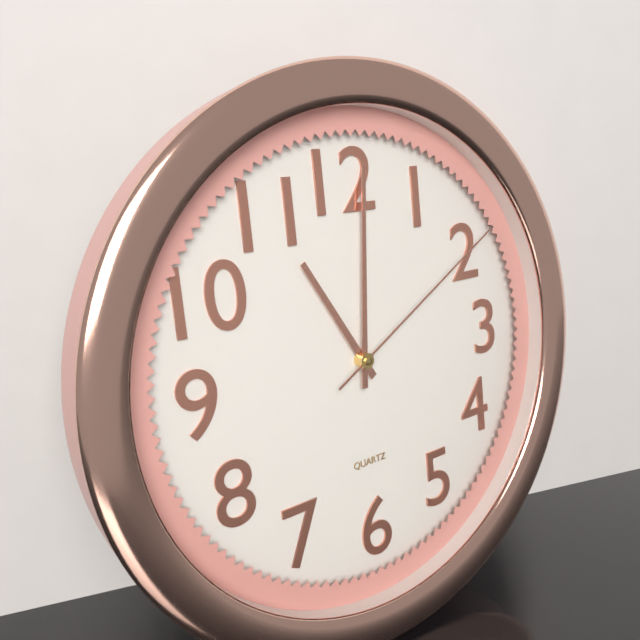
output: h=11 m=1 s=10
